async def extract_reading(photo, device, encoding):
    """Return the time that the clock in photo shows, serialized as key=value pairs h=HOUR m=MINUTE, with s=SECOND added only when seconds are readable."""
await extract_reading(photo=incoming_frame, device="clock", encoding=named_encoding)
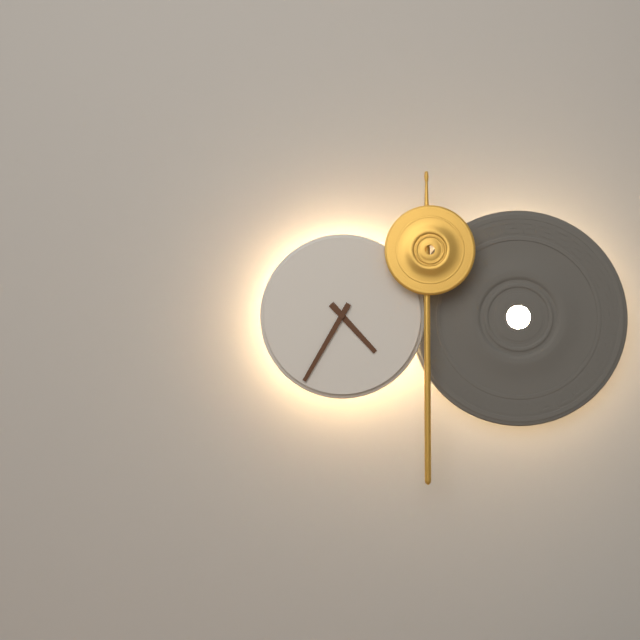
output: h=4 m=35
